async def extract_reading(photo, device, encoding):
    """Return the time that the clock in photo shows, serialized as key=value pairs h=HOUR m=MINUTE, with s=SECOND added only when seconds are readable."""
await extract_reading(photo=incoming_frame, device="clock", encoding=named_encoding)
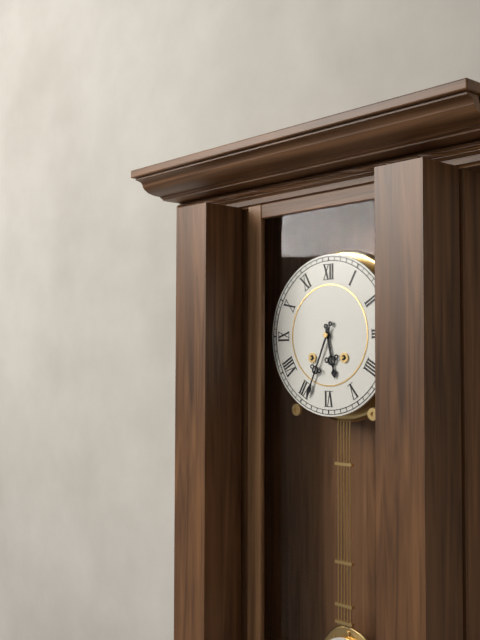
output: h=5 m=34
